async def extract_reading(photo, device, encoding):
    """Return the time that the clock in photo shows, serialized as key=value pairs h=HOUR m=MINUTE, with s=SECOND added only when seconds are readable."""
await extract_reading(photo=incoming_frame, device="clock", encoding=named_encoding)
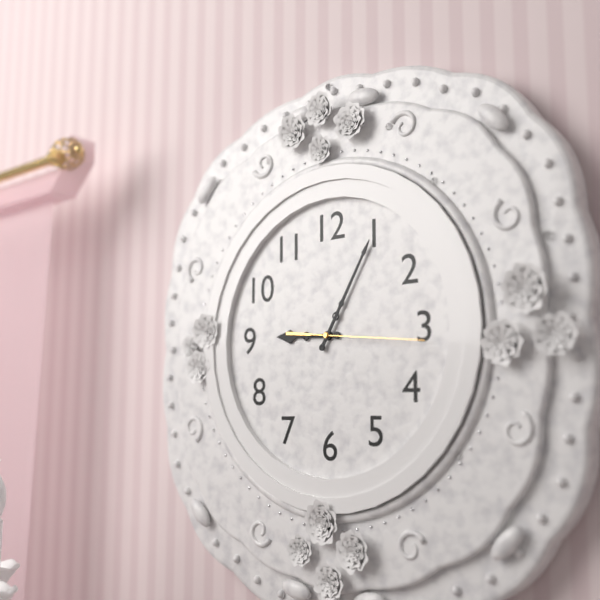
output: h=9 m=5 s=16
